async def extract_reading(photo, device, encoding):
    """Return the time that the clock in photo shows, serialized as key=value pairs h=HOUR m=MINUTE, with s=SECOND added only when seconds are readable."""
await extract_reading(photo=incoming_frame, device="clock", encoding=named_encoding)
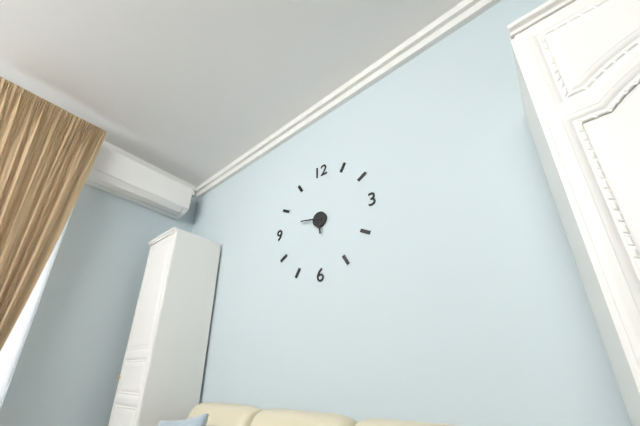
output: h=5 m=47
